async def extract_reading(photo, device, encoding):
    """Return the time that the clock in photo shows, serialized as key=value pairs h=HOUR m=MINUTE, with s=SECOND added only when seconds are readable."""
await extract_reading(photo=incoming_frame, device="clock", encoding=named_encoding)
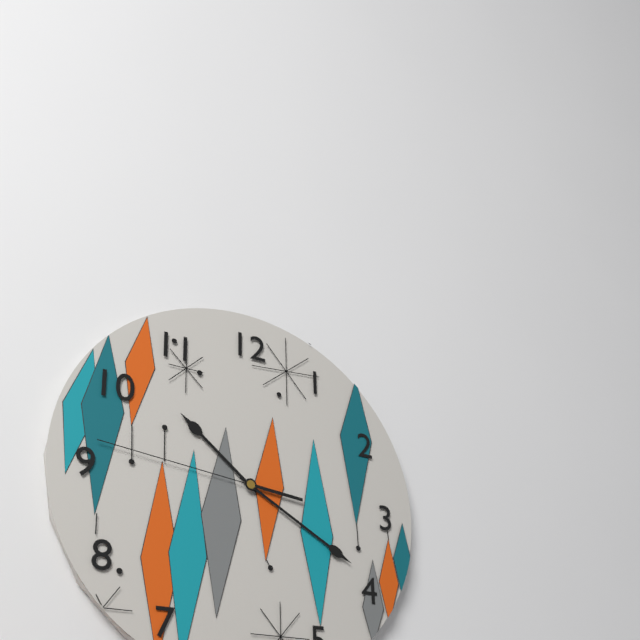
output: h=10 m=20 s=46
